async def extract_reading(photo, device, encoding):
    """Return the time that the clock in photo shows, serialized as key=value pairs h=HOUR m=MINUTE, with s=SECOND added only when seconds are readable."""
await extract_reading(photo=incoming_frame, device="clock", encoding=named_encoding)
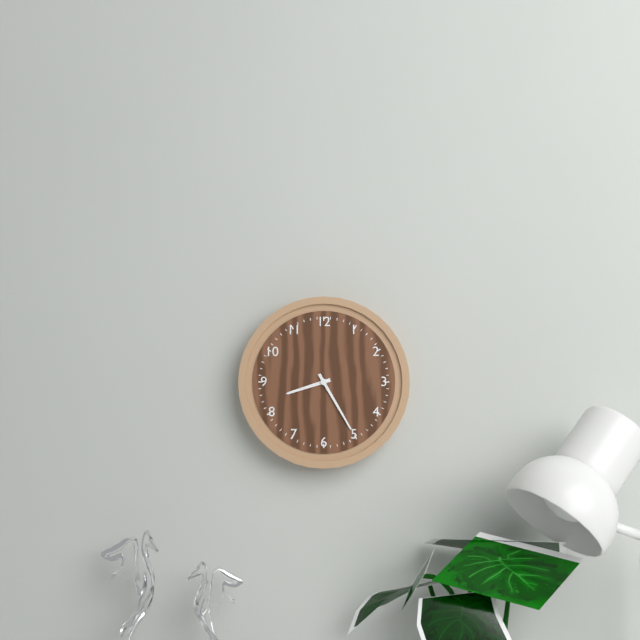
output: h=8 m=25
